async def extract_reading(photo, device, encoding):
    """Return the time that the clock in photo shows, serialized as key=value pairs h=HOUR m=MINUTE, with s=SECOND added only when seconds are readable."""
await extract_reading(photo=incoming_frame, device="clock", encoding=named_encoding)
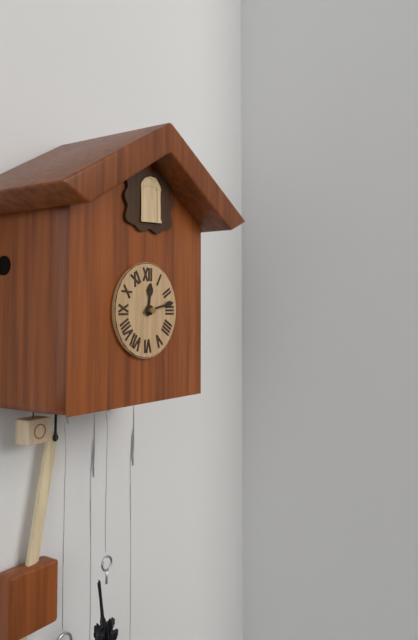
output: h=12 m=13
